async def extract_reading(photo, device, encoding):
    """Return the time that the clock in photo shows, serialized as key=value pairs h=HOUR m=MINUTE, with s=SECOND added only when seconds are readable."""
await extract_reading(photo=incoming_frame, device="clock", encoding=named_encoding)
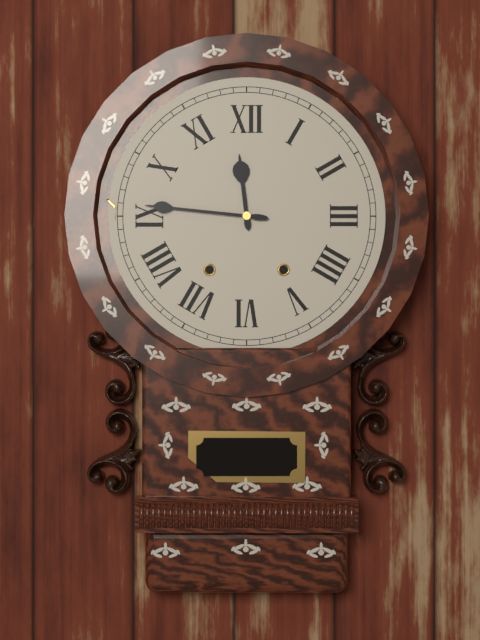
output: h=11 m=46
